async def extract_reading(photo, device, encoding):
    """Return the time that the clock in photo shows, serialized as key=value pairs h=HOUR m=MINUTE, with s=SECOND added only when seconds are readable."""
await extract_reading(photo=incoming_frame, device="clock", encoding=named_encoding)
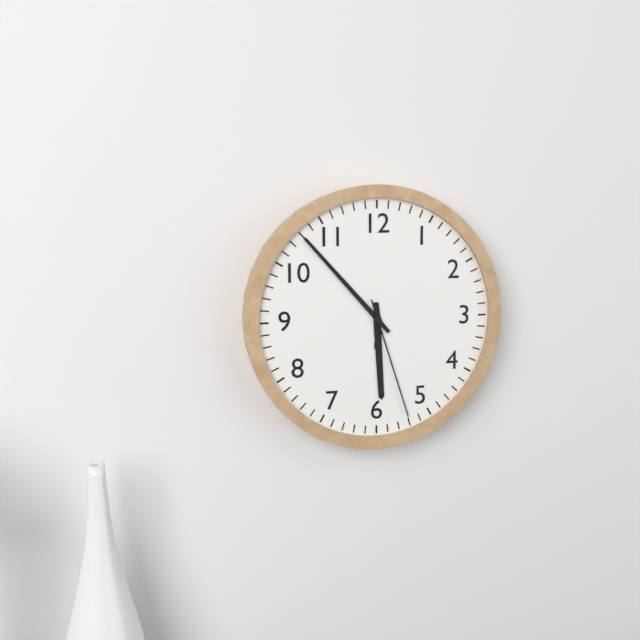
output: h=5 m=53 s=27
